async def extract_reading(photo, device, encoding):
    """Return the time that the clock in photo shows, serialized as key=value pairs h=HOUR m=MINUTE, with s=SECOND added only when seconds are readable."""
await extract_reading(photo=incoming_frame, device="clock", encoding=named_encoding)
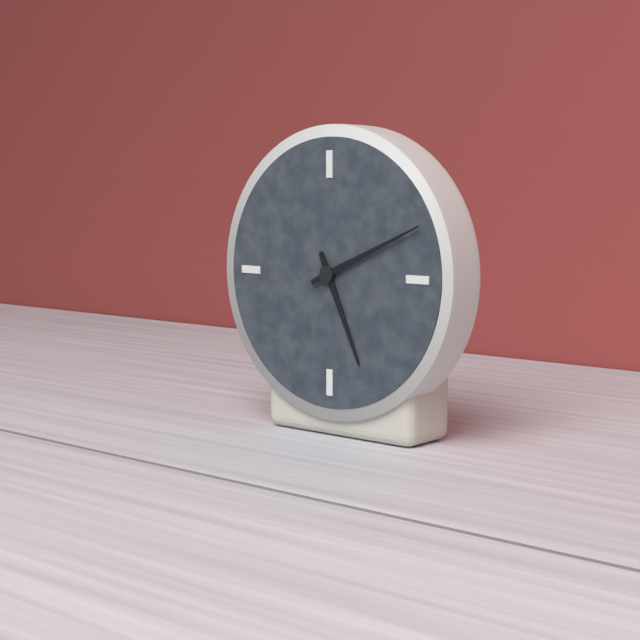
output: h=5 m=11
